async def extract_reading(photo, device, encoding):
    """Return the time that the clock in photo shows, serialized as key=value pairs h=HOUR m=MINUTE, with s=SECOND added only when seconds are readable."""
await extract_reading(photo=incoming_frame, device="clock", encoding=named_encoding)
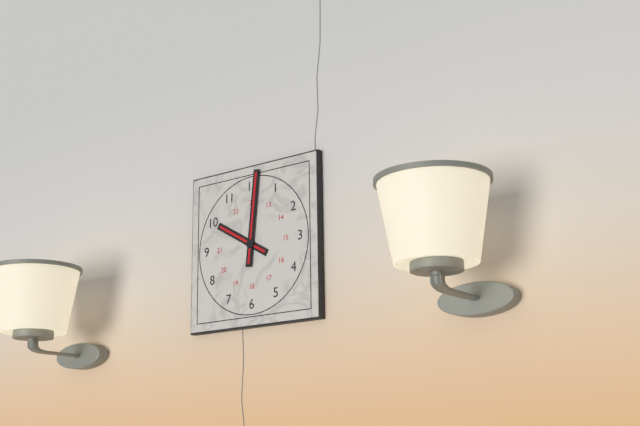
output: h=10 m=1
